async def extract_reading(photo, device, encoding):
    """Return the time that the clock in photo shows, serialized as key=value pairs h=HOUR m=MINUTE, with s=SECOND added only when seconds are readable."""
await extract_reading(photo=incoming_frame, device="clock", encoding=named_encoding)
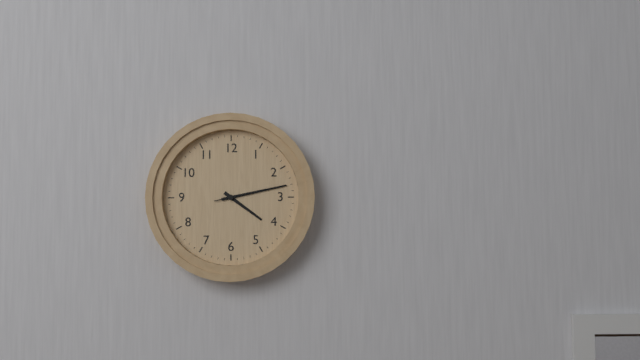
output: h=4 m=13 s=13
